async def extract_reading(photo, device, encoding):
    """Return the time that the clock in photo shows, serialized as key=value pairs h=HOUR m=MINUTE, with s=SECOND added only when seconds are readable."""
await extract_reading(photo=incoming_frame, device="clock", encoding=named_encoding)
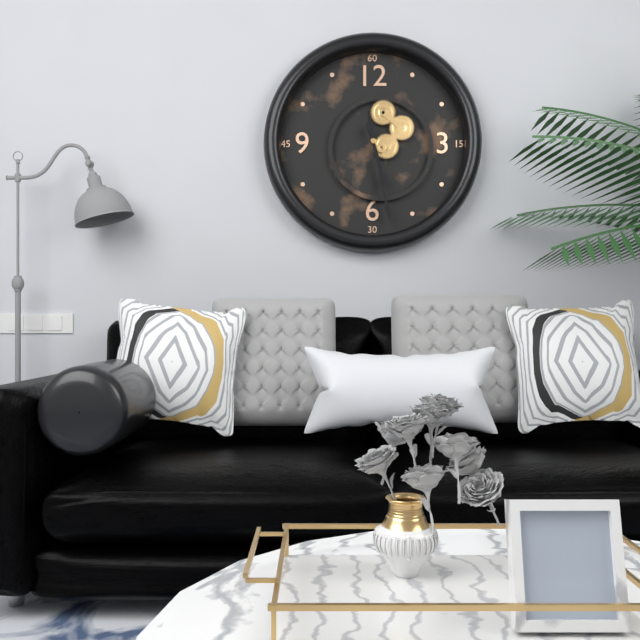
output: h=5 m=28
